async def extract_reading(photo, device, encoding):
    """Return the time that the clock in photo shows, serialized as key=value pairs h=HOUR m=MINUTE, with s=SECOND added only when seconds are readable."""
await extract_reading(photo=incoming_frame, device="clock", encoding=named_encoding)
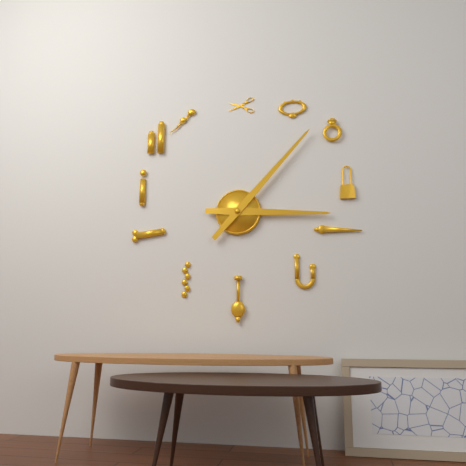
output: h=3 m=7
